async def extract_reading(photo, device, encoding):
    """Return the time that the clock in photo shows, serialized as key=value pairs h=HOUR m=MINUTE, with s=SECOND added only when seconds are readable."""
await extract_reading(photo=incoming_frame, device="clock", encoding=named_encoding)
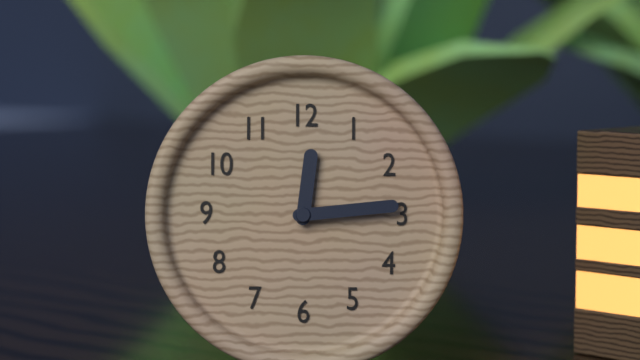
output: h=12 m=14
